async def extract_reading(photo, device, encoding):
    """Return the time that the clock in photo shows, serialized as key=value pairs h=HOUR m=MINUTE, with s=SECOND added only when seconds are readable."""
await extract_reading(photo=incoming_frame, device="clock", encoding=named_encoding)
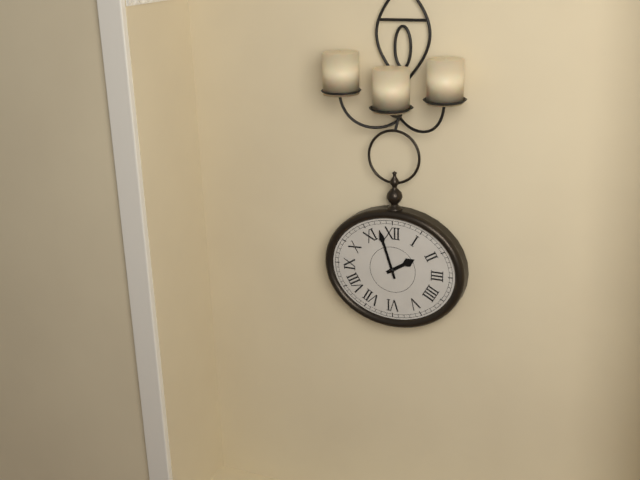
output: h=1 m=57
